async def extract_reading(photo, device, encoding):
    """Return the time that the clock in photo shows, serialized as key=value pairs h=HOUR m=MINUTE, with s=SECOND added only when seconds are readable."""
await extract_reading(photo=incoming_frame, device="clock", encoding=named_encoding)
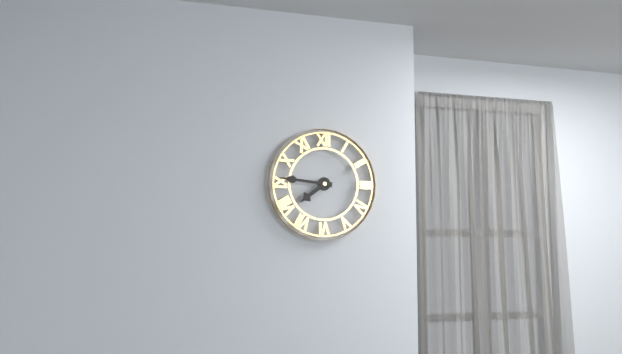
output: h=7 m=46
